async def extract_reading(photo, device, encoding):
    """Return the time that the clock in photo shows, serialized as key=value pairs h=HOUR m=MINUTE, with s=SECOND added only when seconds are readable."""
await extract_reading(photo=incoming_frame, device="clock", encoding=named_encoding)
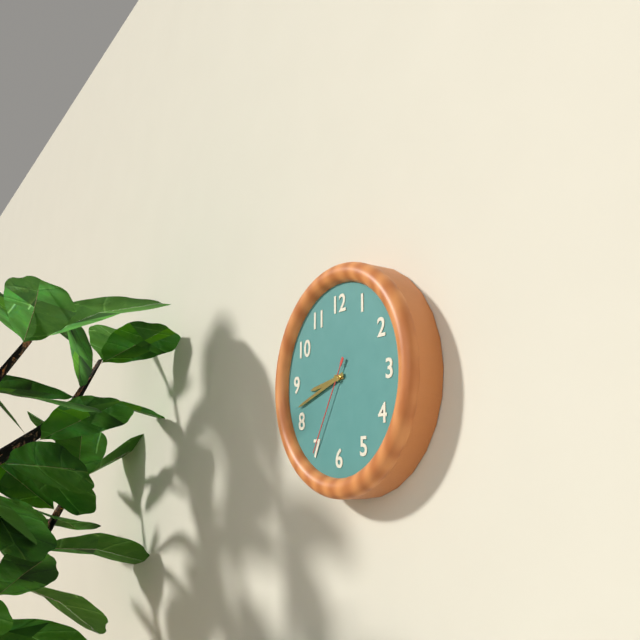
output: h=8 m=42 s=35
